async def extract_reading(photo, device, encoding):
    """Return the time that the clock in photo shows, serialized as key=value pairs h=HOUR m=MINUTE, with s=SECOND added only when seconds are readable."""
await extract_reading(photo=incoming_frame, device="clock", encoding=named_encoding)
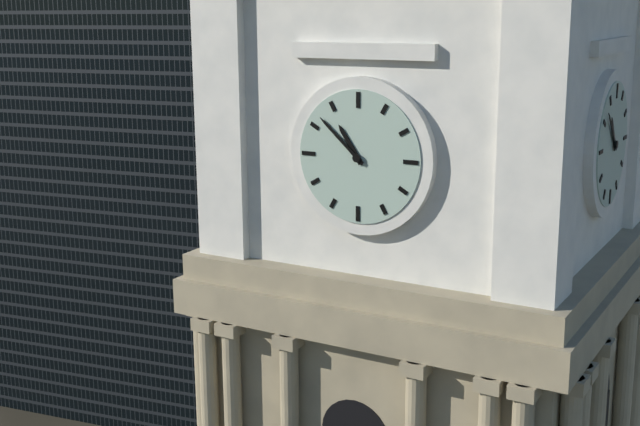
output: h=10 m=52
